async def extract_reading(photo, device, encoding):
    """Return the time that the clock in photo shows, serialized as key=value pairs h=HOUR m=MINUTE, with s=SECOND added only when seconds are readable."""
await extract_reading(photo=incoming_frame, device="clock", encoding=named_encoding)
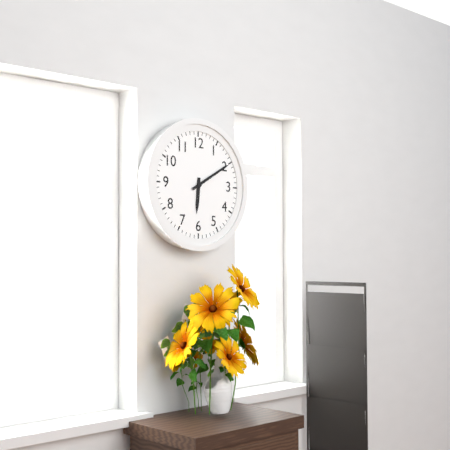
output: h=6 m=10
